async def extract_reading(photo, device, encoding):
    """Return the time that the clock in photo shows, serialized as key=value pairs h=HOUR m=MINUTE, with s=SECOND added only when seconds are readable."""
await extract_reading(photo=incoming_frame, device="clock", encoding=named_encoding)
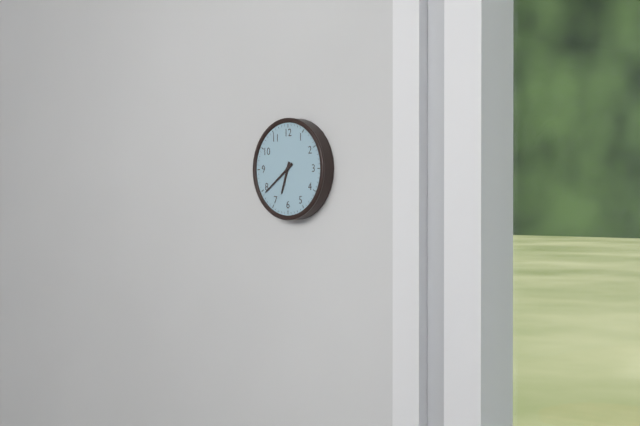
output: h=6 m=39
